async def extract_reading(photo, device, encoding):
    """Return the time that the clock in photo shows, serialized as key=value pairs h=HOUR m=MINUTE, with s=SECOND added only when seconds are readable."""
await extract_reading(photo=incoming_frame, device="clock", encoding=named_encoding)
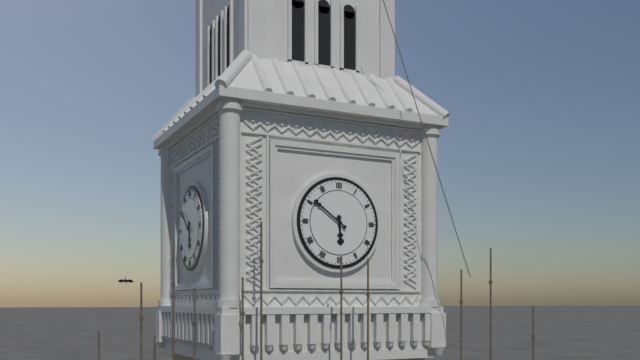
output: h=5 m=51
